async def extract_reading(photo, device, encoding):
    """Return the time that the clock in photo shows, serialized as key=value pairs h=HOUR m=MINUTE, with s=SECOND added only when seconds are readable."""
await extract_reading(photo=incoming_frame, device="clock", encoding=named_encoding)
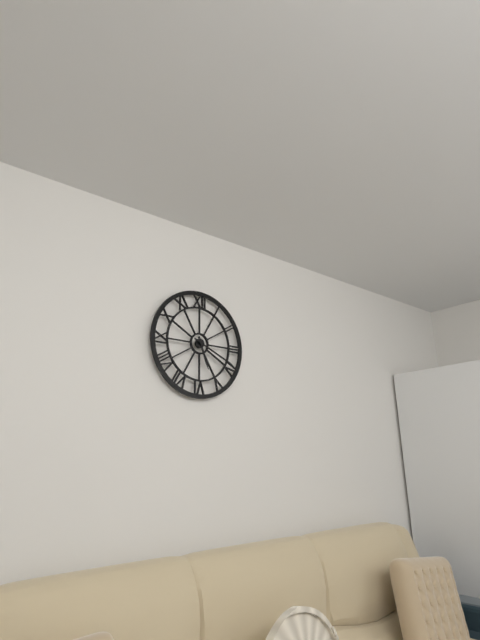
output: h=5 m=19
